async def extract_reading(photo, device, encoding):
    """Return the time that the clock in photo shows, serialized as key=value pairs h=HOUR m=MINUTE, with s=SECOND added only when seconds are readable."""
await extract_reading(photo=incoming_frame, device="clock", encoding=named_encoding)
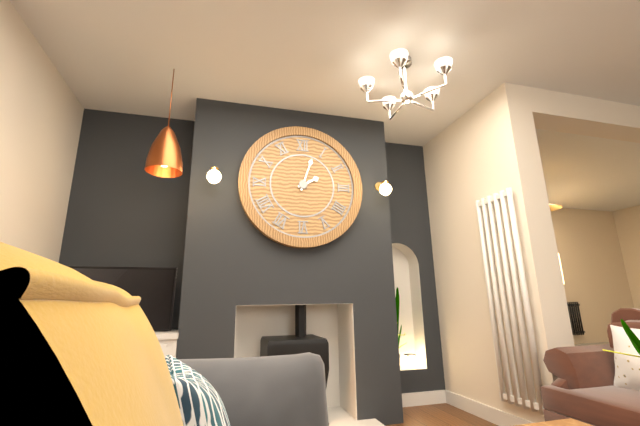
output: h=2 m=3
